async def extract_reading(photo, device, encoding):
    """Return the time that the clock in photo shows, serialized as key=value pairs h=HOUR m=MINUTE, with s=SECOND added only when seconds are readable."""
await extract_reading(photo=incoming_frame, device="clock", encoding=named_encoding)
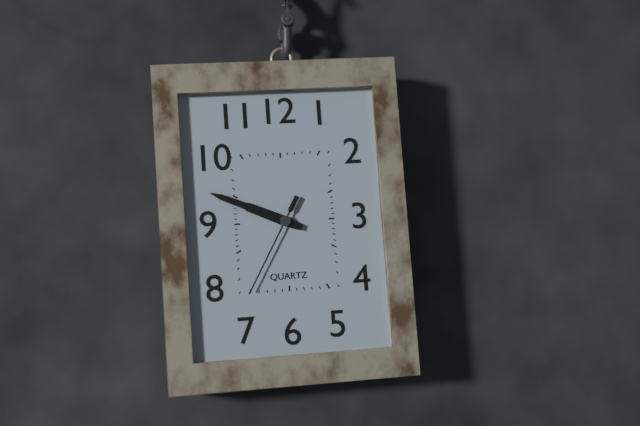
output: h=9 m=49 s=35
